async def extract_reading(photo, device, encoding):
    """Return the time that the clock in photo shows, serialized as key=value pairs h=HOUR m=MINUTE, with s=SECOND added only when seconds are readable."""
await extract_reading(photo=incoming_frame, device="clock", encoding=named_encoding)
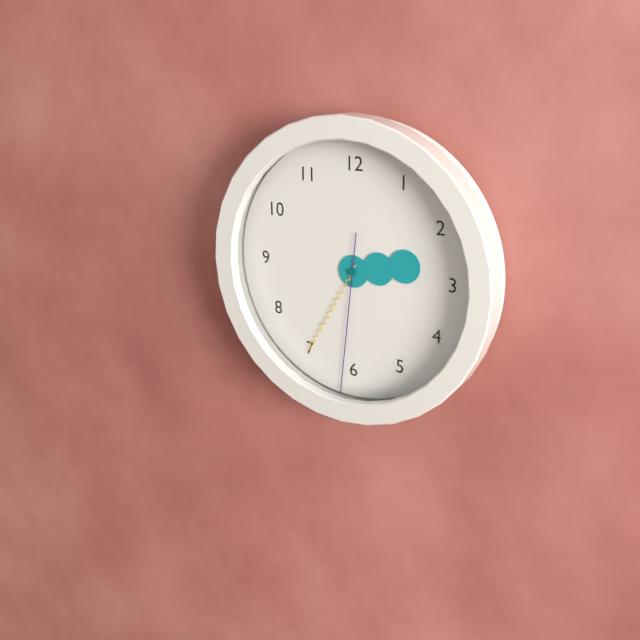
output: h=2 m=35 s=31
